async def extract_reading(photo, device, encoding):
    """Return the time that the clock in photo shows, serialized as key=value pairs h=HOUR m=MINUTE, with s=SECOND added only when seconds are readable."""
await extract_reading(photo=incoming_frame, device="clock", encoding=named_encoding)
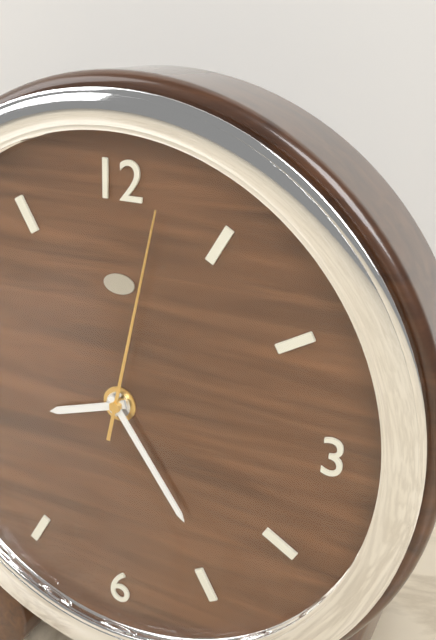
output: h=8 m=24 s=2
